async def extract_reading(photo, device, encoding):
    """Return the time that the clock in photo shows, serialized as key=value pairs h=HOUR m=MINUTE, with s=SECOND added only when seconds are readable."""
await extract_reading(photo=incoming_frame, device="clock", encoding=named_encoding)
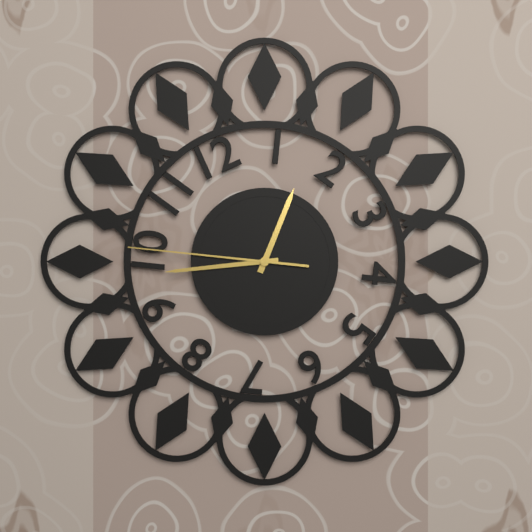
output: h=12 m=44 s=46
